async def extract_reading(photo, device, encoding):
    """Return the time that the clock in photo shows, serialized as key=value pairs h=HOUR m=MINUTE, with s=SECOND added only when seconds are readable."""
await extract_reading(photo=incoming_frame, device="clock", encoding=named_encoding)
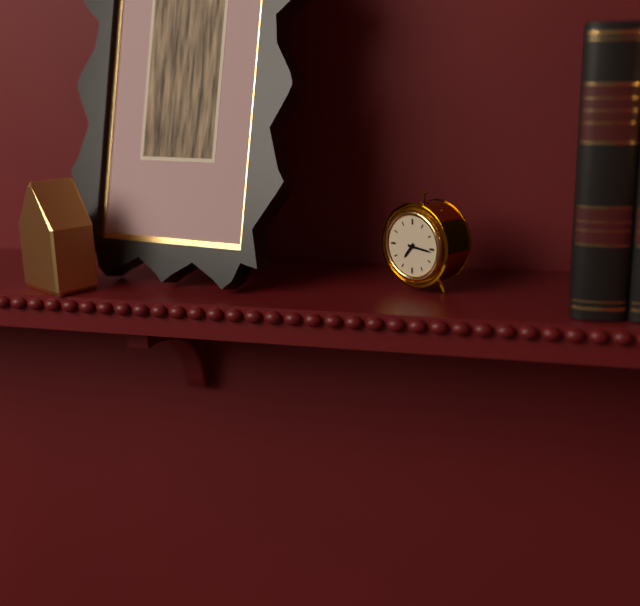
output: h=7 m=16
